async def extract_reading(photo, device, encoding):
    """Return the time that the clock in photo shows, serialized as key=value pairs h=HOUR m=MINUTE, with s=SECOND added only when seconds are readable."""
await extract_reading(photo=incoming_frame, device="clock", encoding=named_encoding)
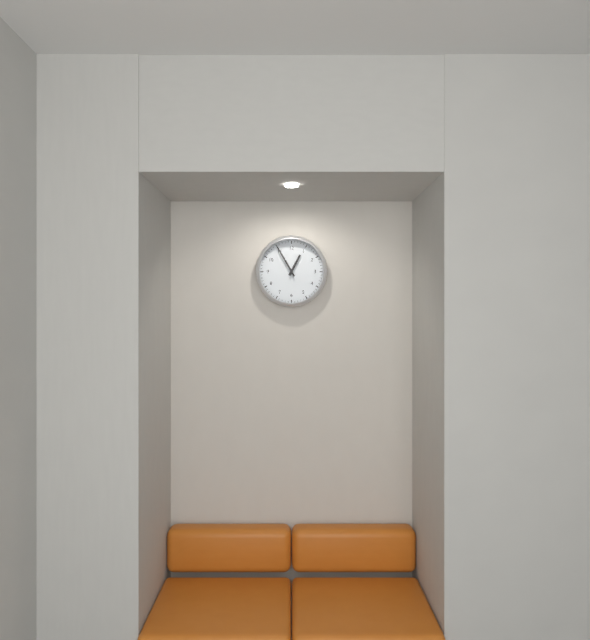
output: h=12 m=55
